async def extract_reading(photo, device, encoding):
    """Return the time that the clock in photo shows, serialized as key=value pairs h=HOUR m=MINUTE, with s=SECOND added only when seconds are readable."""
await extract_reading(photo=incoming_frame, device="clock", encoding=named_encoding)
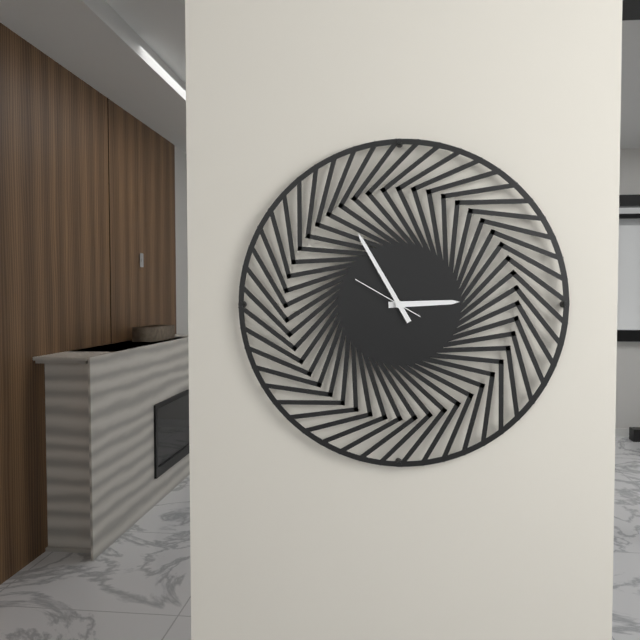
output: h=2 m=55 s=50
